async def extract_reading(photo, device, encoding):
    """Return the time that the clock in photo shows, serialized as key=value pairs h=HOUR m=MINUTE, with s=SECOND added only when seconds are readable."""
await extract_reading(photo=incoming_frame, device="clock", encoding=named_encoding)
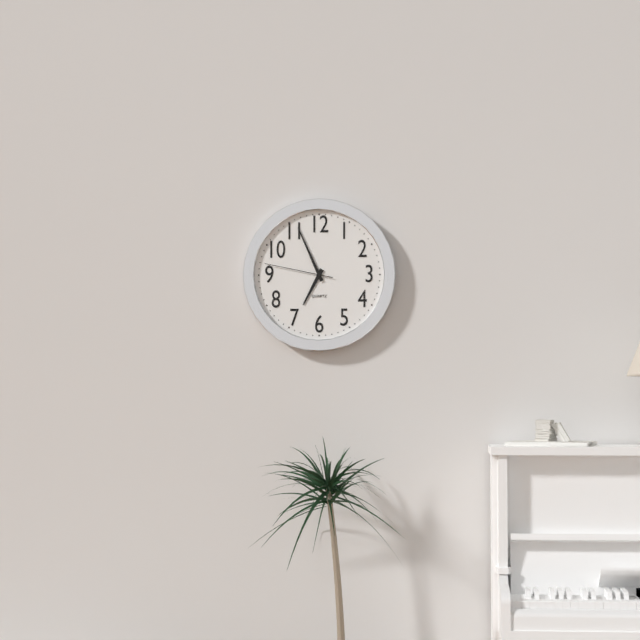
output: h=6 m=56 s=47
